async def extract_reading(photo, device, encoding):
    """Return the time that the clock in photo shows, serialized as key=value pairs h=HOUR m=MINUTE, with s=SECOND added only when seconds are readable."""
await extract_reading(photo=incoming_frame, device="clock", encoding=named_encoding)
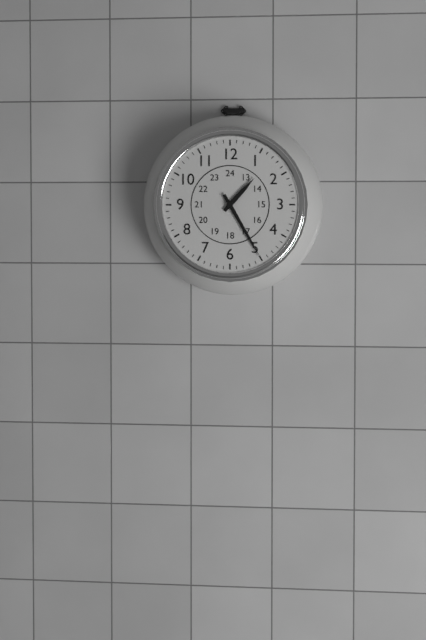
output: h=1 m=25
